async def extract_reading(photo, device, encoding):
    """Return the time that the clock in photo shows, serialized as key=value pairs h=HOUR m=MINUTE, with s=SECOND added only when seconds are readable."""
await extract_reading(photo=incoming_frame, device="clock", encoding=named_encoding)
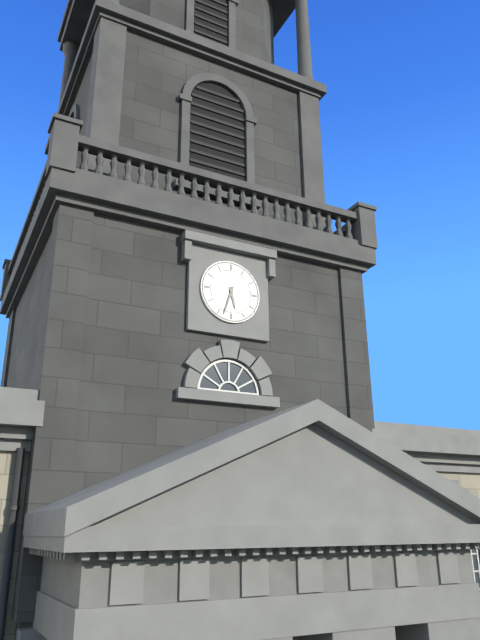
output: h=5 m=33
